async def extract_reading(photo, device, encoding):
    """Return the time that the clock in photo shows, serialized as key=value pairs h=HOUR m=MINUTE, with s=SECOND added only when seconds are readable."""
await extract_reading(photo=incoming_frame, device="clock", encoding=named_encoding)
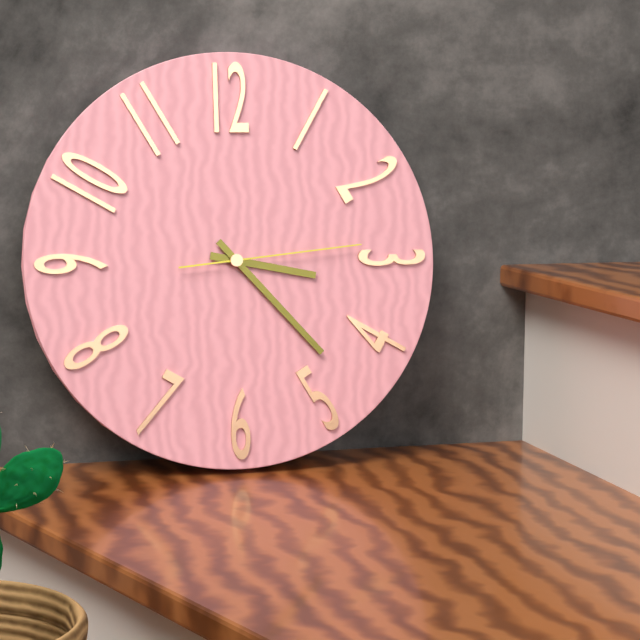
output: h=3 m=23 s=14
